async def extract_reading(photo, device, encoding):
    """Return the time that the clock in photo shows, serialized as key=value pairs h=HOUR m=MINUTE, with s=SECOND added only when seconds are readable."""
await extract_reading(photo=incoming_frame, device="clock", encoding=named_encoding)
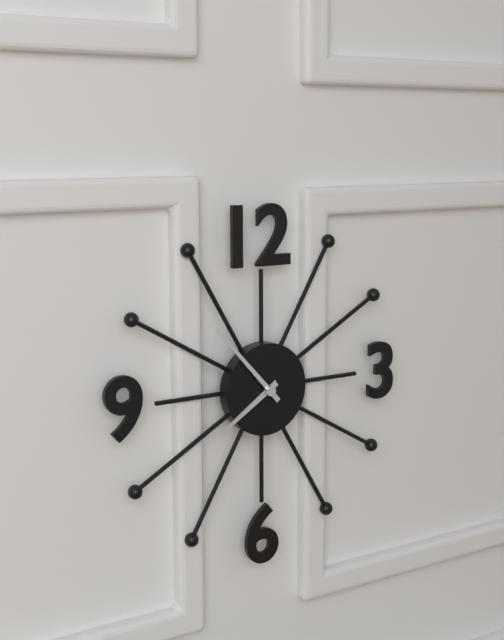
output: h=7 m=53
